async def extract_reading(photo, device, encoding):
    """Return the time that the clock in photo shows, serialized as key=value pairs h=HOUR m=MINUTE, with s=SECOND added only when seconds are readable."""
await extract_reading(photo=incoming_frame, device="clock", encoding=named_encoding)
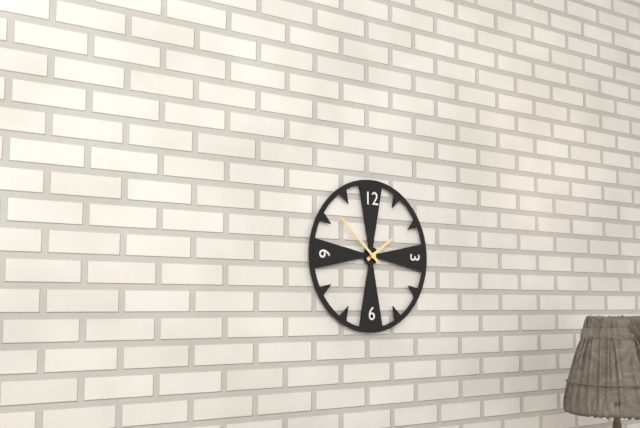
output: h=1 m=52
